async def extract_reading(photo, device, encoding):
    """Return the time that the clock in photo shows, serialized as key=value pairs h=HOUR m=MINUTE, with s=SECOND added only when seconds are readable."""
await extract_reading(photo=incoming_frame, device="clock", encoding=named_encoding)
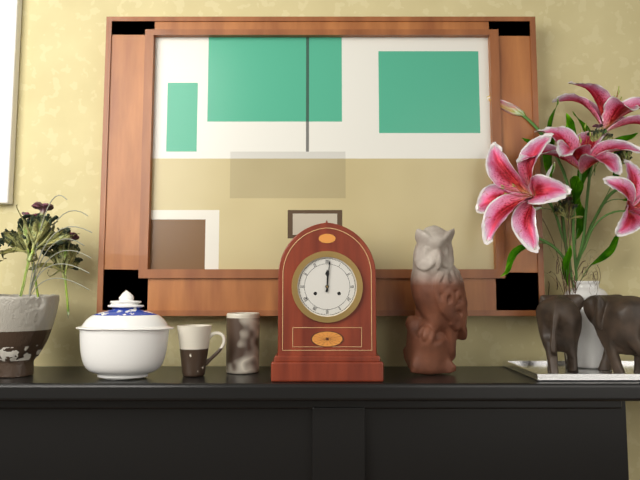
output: h=12 m=1
